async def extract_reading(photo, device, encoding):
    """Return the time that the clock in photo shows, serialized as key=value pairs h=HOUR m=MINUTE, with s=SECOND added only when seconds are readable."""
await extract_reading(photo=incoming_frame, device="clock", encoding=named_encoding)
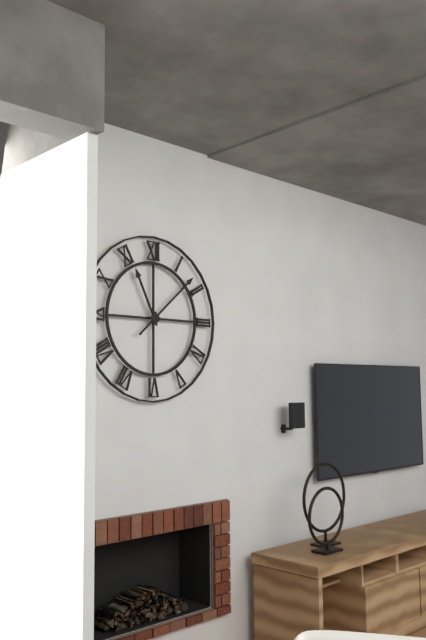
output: h=11 m=8
